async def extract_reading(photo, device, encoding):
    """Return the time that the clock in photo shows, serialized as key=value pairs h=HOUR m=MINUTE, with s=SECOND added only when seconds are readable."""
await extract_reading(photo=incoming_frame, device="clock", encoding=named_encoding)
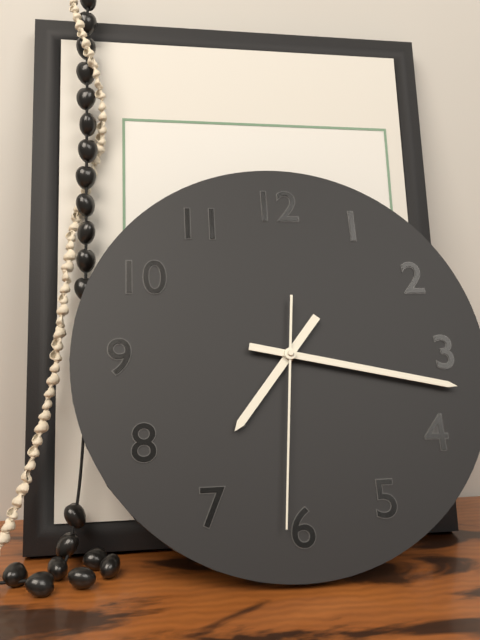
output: h=7 m=17 s=31
